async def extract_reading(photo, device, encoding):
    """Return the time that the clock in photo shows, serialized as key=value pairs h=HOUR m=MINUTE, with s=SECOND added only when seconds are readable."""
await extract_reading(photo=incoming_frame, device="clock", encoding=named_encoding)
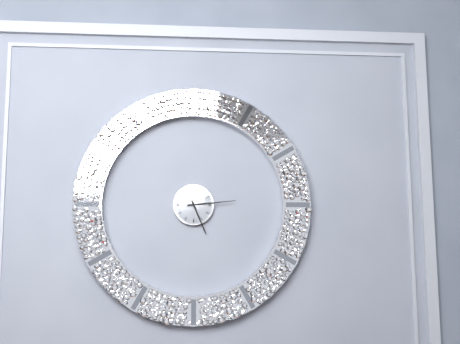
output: h=5 m=14
